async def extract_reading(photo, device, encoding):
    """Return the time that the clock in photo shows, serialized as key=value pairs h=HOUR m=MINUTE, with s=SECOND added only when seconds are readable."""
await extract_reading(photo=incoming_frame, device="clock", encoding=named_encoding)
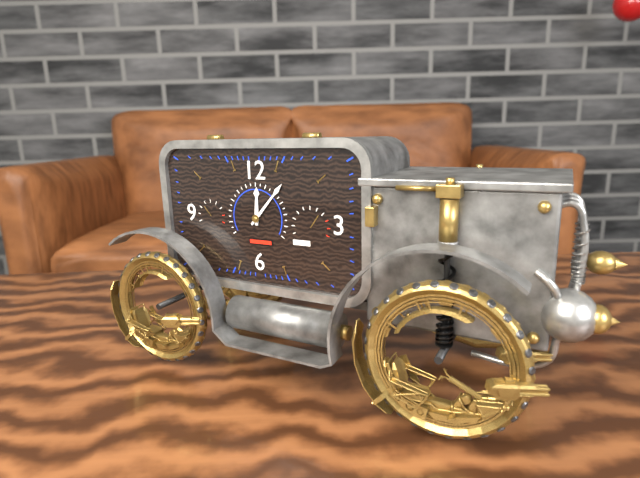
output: h=12 m=7
